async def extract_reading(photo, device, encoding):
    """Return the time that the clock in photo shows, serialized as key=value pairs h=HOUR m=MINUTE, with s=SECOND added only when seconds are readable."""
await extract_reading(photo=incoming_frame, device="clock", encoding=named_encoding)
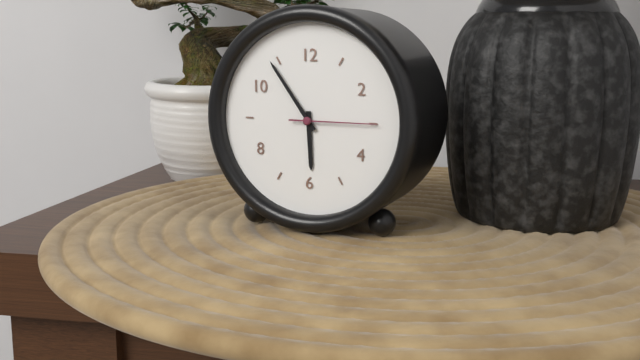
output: h=5 m=54 s=15
